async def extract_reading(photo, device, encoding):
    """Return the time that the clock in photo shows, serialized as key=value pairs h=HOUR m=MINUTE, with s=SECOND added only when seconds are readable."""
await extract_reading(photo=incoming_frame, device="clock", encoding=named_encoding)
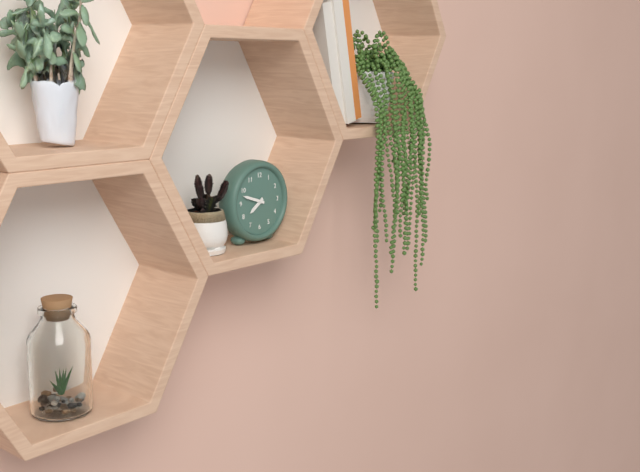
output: h=7 m=48
